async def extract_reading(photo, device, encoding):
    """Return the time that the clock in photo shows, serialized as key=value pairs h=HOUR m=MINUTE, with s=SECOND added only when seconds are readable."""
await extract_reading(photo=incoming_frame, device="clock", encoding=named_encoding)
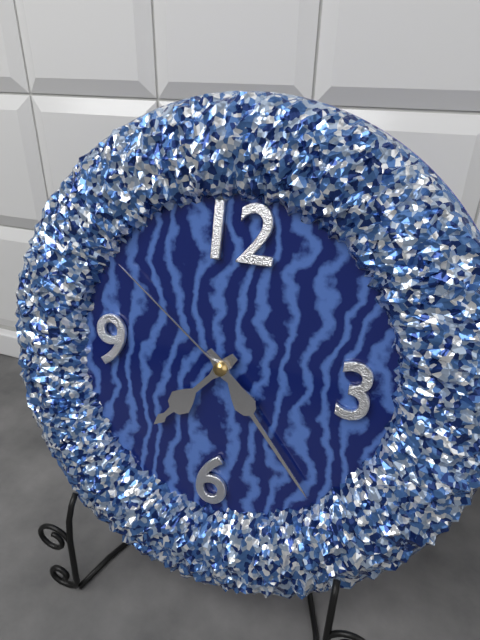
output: h=7 m=23 s=51
